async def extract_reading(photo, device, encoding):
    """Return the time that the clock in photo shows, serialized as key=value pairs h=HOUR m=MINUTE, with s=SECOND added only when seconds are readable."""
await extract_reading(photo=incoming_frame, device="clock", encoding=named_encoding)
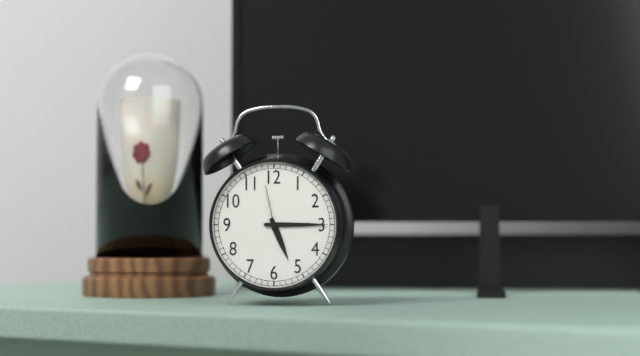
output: h=5 m=15 s=58
